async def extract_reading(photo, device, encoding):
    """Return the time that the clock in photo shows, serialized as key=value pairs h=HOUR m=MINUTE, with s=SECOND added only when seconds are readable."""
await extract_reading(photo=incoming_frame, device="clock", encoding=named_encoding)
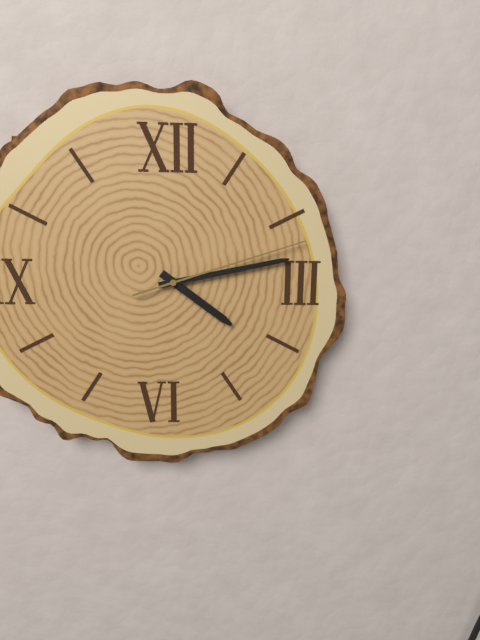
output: h=4 m=13 s=12
